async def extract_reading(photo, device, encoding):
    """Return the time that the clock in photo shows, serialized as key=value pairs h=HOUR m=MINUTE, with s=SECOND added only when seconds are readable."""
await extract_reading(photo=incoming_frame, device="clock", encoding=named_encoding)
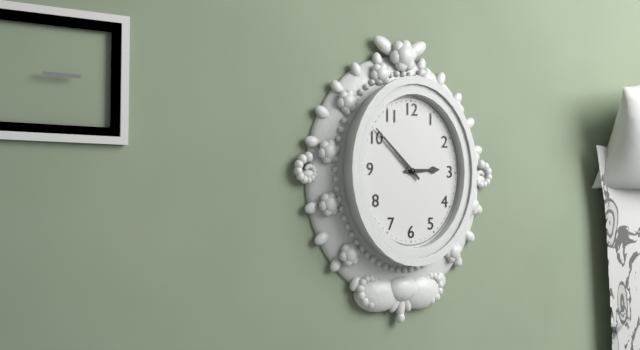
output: h=2 m=52
